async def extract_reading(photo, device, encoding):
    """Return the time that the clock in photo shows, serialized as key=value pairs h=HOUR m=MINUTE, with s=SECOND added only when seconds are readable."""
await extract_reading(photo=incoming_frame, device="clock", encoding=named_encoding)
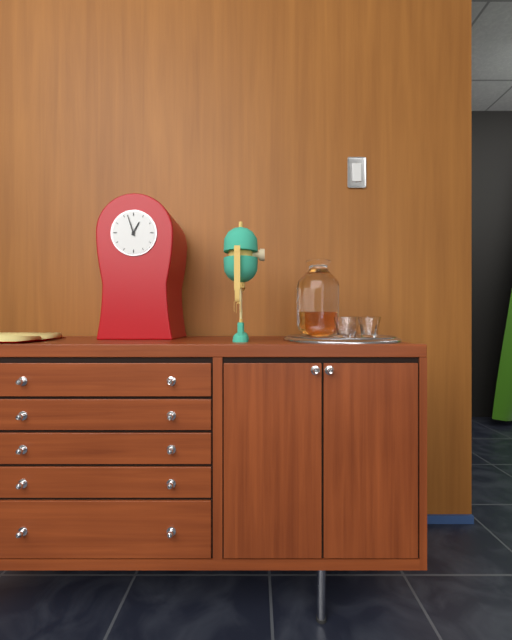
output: h=12 m=57
